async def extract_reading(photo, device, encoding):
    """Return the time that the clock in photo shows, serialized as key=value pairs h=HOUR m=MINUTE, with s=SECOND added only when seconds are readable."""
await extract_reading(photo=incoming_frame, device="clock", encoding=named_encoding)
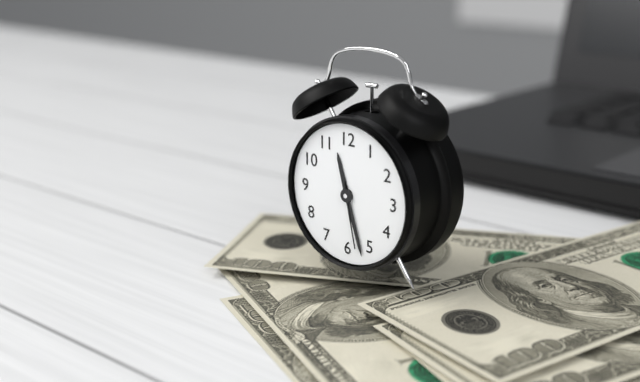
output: h=11 m=27 s=28
